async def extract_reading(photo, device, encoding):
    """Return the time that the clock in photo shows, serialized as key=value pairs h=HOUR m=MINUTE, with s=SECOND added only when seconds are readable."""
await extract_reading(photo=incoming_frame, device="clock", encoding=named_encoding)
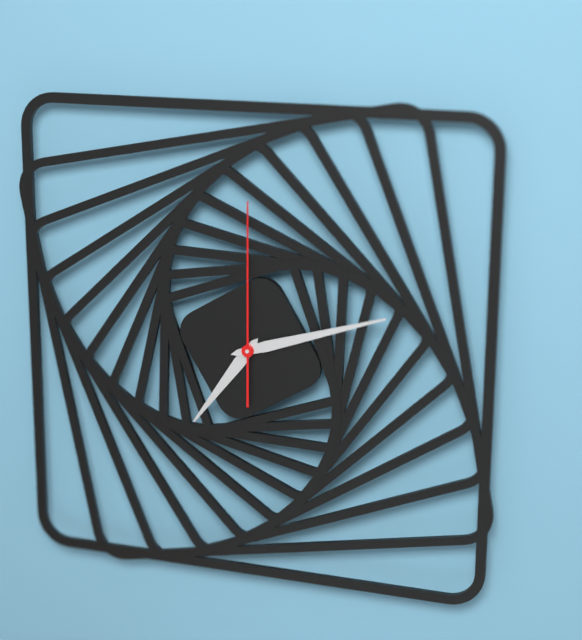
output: h=7 m=12 s=0
